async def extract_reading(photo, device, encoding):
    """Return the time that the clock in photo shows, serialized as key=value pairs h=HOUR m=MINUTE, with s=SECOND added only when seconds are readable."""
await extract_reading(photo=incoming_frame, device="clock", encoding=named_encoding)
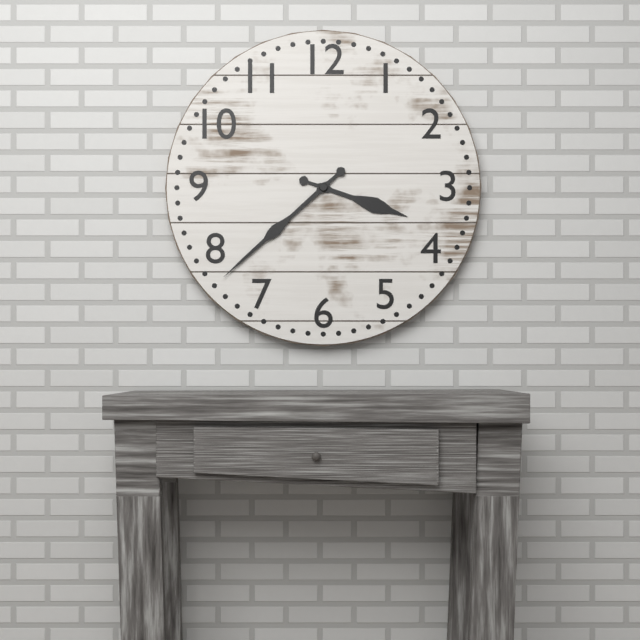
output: h=3 m=38
